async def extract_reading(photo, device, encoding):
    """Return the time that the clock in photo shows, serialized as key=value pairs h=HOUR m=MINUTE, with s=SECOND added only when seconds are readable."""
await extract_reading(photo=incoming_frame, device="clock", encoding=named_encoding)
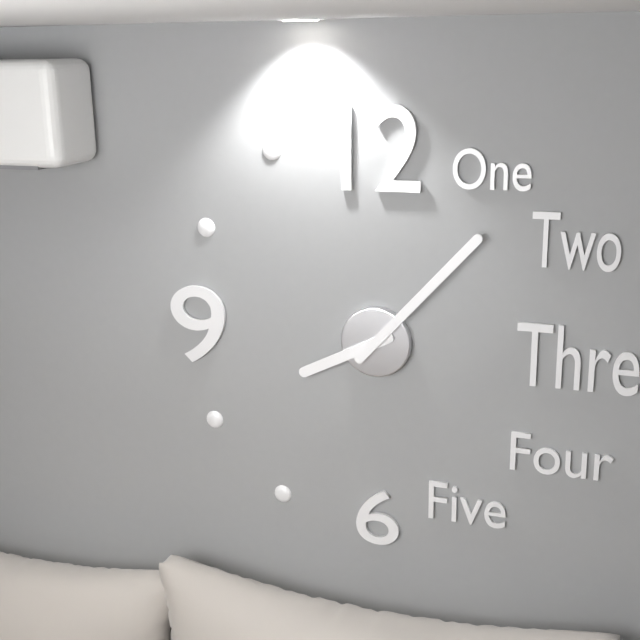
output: h=8 m=7
